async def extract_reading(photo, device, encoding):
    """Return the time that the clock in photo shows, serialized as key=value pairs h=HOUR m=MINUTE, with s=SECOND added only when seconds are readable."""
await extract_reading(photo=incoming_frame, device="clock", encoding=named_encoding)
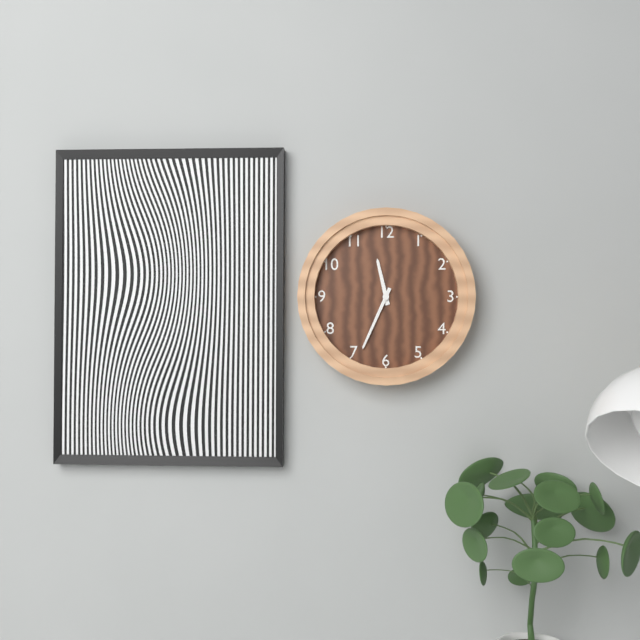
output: h=11 m=34
